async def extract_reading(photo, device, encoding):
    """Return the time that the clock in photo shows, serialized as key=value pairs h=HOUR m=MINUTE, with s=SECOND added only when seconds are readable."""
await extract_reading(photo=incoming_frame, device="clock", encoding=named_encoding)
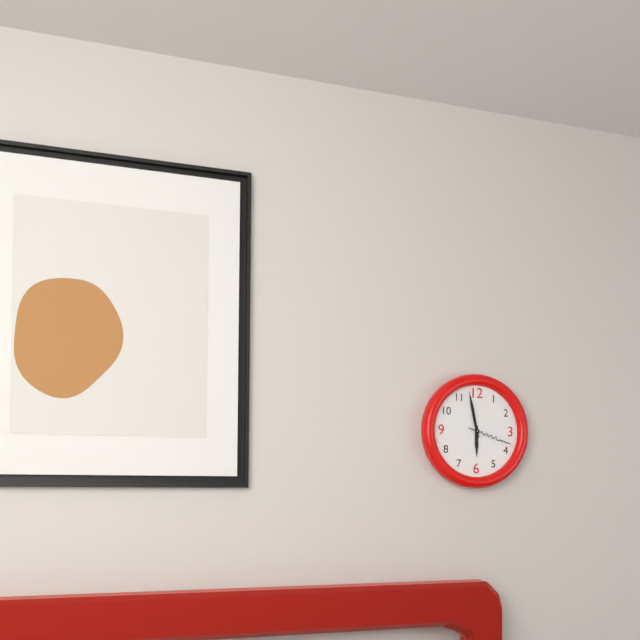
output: h=5 m=58
